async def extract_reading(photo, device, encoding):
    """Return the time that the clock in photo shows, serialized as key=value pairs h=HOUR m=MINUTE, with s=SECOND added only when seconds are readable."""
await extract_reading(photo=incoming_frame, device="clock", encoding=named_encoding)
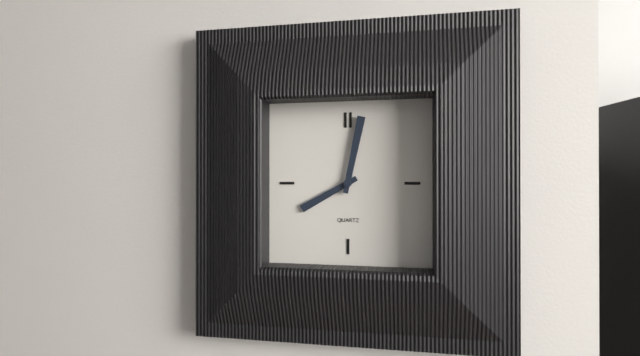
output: h=8 m=2
